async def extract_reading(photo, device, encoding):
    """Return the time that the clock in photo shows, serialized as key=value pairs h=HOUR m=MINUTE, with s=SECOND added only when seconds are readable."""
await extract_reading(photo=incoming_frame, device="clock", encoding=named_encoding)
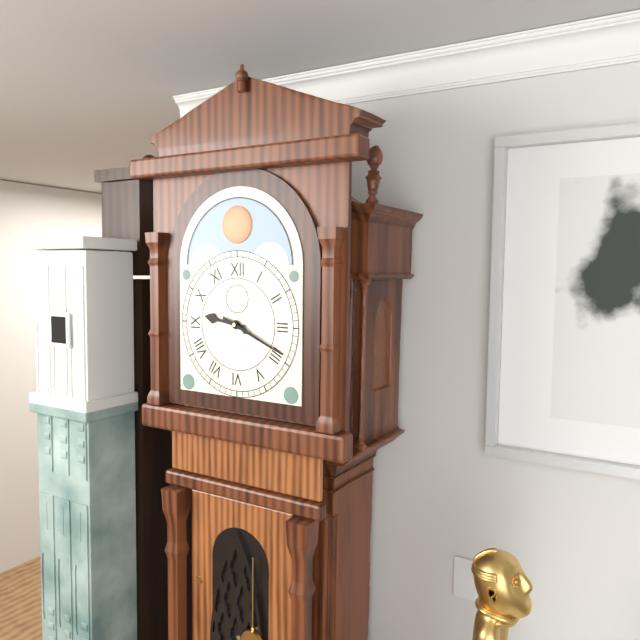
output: h=9 m=19
